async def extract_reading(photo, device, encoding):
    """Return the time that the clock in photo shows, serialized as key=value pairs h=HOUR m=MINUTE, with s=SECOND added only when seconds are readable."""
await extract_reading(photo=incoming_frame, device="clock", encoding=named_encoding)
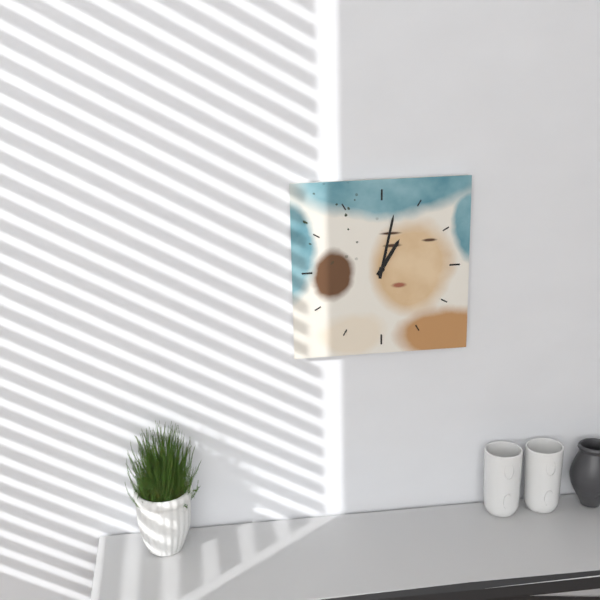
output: h=1 m=2
